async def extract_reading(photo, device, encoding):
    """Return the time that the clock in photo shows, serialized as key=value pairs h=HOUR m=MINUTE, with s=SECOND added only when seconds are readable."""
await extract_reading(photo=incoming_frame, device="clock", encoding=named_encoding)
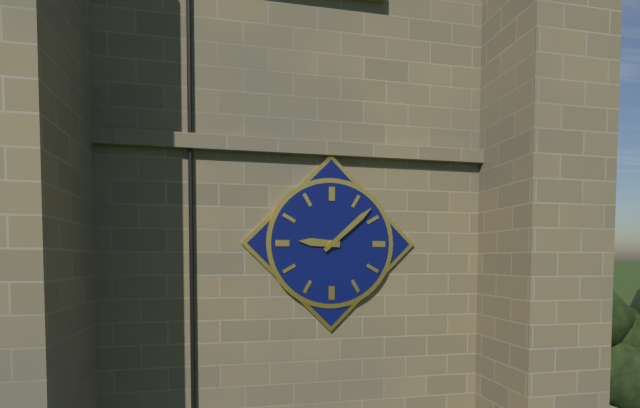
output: h=9 m=8
